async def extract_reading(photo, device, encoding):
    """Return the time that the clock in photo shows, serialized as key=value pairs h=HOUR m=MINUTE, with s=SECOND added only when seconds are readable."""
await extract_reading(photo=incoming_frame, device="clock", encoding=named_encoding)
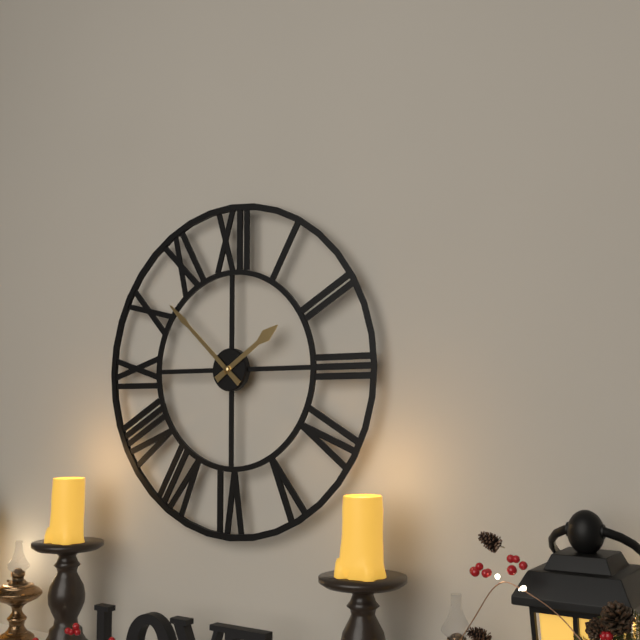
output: h=1 m=52
